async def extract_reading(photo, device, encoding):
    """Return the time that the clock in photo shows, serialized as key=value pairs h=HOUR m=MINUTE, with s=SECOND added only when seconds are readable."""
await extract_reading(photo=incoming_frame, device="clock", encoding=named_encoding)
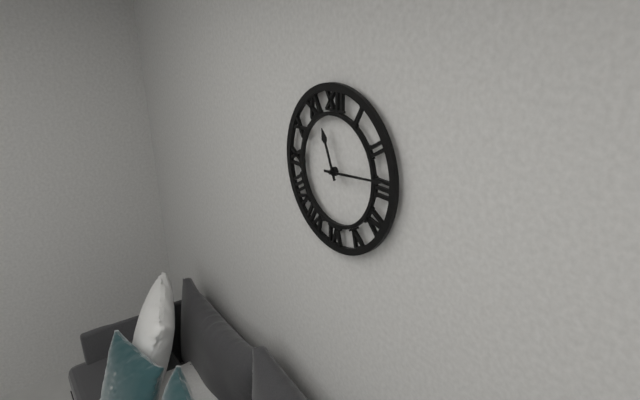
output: h=11 m=14
